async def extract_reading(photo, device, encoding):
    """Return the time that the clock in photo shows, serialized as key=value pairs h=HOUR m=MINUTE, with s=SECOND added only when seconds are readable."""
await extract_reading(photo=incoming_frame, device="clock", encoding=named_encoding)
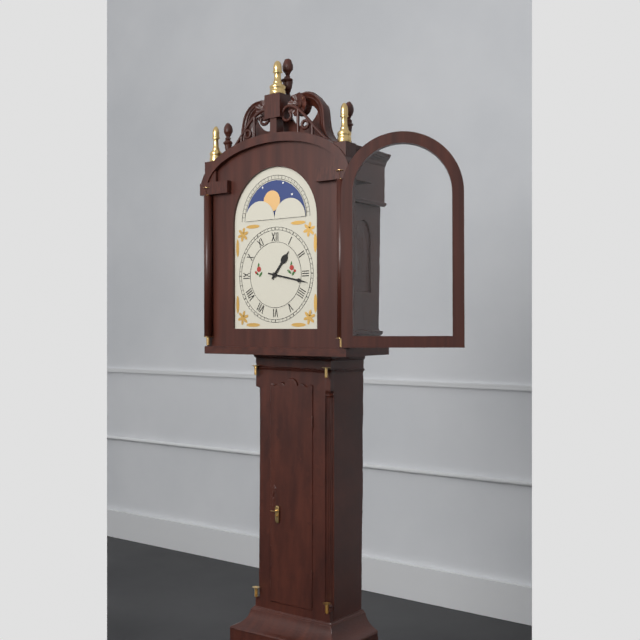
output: h=1 m=17
